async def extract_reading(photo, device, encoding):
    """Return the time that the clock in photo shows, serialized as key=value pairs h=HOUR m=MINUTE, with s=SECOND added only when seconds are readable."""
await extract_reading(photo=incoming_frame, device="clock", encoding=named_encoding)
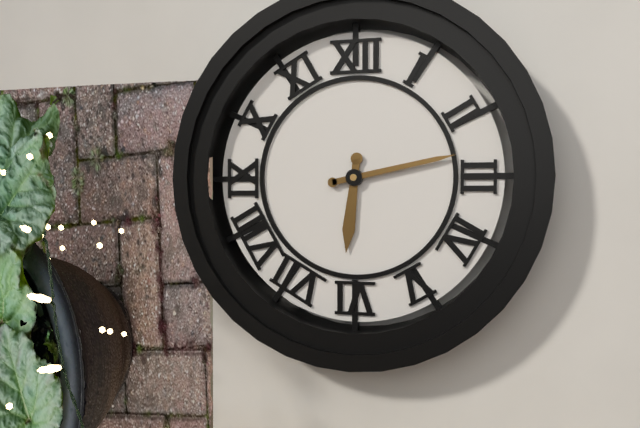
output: h=6 m=13
